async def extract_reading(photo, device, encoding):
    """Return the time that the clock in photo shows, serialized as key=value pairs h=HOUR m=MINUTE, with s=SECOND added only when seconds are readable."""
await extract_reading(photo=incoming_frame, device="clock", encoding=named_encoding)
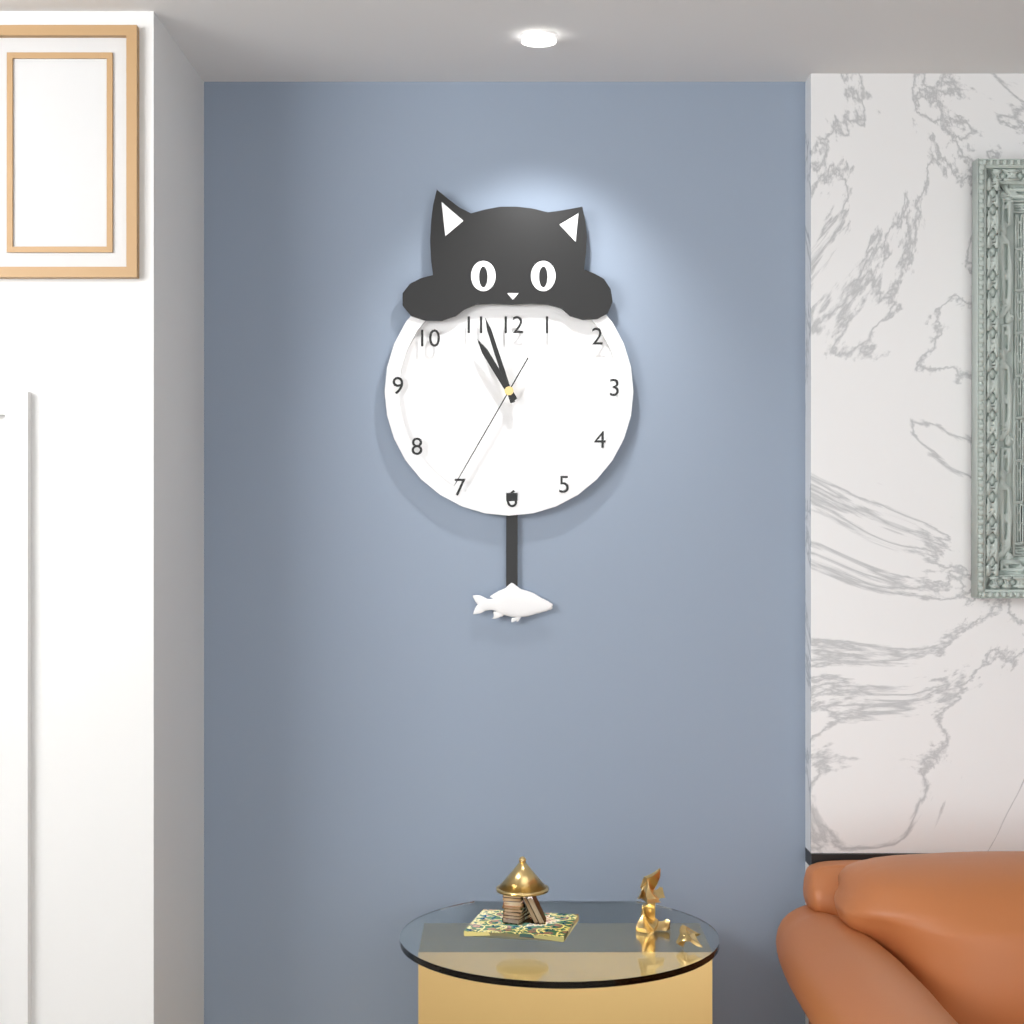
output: h=10 m=57 s=35
